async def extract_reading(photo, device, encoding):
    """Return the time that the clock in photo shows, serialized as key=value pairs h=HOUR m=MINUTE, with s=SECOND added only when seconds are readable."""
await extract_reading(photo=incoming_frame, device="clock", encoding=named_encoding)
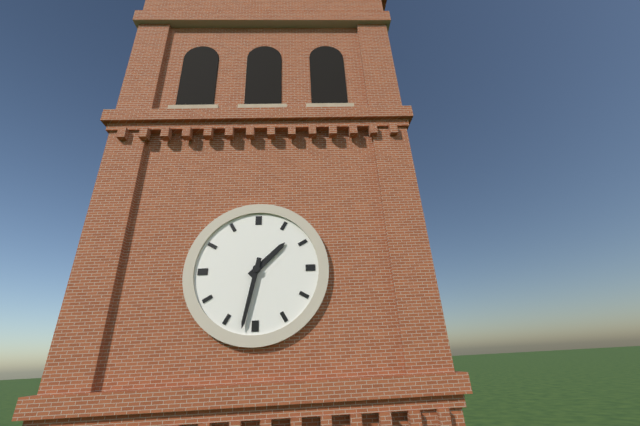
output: h=1 m=32
